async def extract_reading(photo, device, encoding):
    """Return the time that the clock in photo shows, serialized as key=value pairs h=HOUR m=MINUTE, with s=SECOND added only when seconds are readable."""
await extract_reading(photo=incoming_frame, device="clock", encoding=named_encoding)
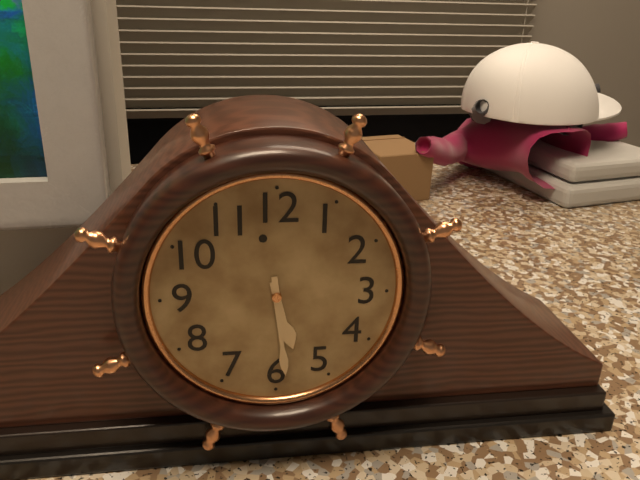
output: h=5 m=29
